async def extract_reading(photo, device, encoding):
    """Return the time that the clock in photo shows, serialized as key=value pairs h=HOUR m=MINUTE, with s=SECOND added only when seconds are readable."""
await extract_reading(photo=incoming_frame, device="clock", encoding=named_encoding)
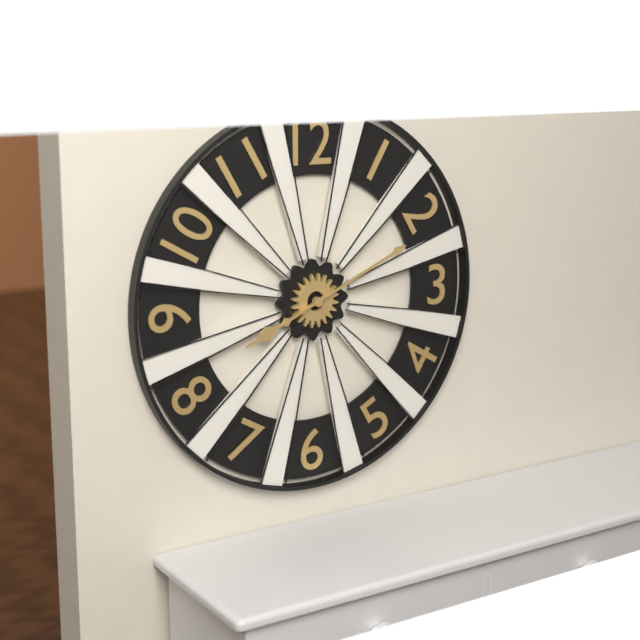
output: h=8 m=11
